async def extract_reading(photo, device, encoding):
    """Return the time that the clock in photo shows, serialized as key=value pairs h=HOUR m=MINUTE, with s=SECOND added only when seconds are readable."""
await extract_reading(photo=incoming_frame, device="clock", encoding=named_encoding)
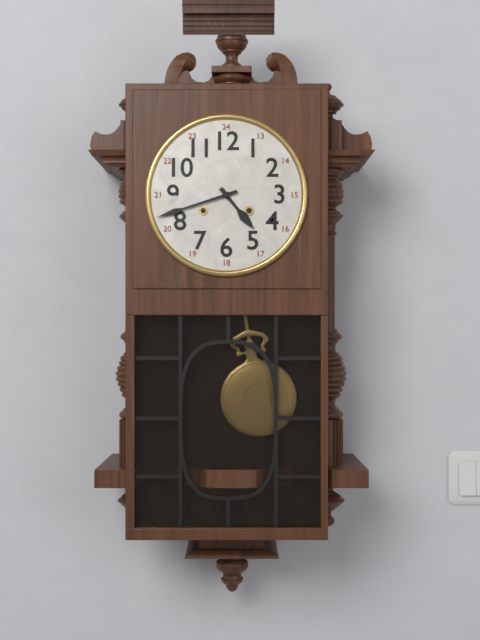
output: h=4 m=42
